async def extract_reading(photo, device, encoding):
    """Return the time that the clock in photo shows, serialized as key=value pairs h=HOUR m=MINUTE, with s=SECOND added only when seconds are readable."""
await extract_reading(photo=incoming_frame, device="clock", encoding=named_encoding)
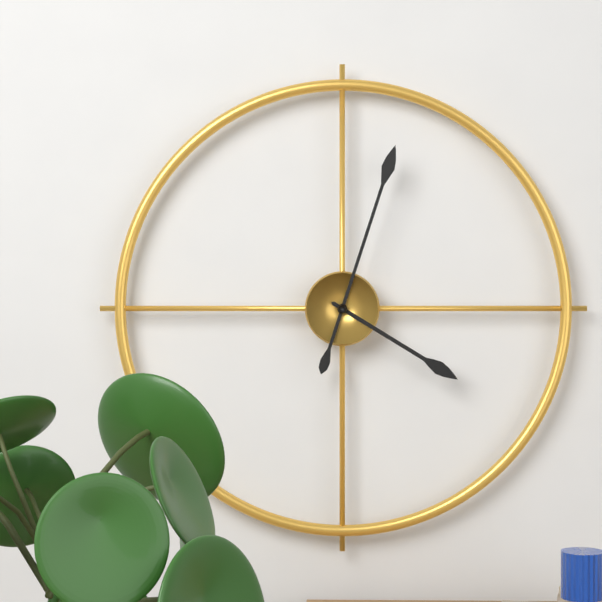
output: h=4 m=3
